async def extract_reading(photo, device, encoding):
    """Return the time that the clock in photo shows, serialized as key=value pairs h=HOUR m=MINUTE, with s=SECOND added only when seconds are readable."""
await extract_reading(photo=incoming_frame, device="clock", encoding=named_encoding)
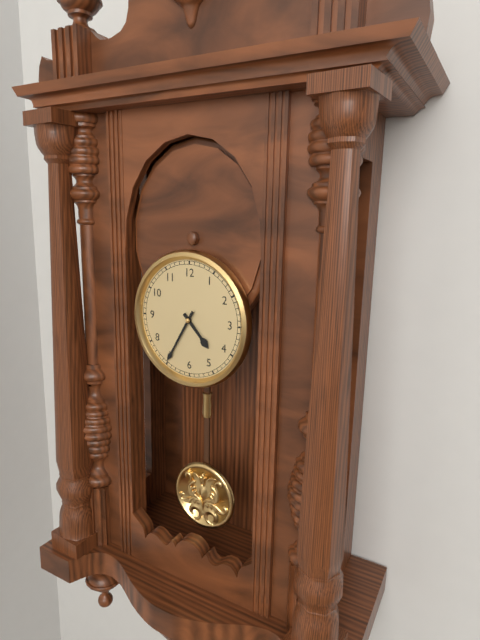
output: h=4 m=35
